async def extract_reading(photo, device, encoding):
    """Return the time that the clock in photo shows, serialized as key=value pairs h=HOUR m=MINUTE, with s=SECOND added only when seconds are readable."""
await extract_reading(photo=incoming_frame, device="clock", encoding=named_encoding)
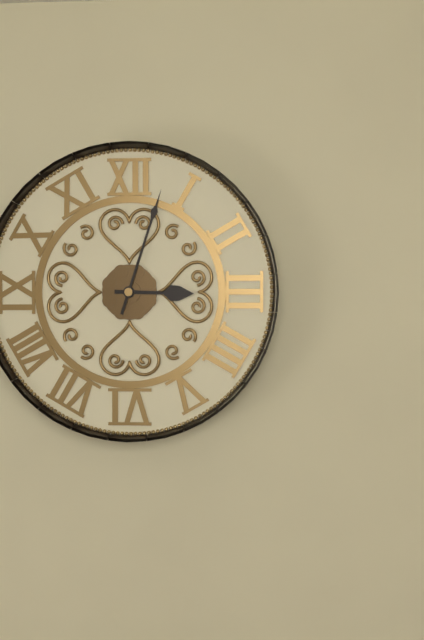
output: h=3 m=3
